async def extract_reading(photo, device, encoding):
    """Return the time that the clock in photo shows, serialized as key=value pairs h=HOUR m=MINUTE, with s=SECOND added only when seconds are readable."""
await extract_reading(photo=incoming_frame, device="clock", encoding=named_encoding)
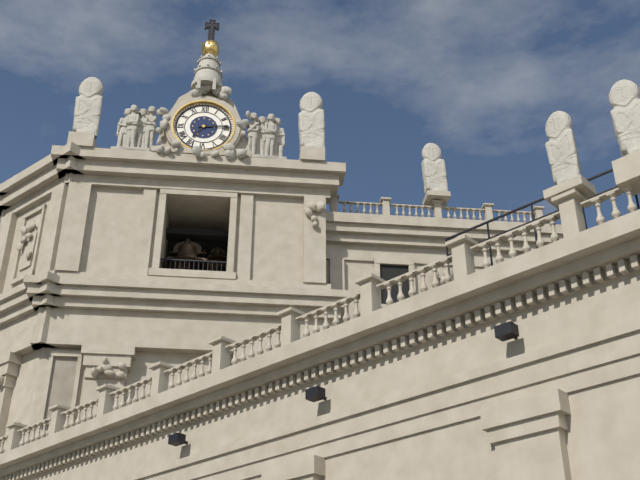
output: h=7 m=14
